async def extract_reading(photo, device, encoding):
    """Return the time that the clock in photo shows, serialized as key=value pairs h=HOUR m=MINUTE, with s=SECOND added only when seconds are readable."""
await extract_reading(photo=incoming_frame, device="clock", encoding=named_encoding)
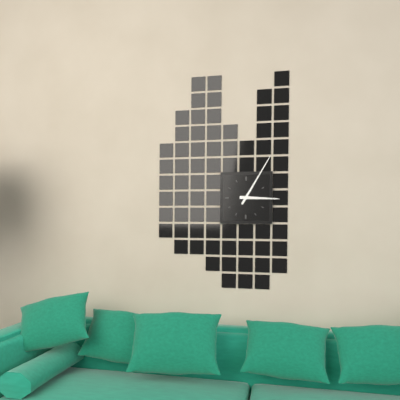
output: h=3 m=5
